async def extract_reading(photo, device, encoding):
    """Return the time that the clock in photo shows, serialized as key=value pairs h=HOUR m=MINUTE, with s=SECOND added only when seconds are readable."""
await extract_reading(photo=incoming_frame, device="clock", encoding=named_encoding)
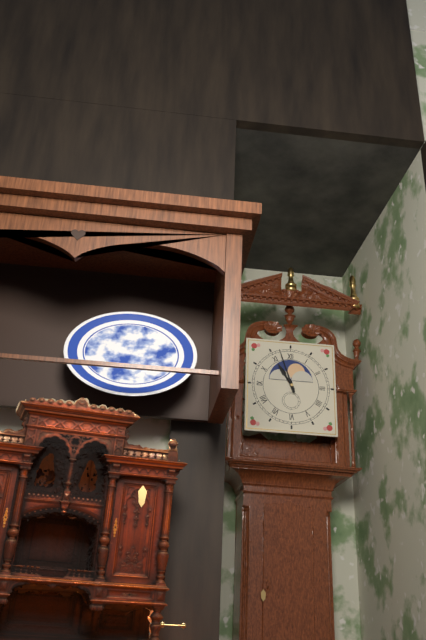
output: h=10 m=57
